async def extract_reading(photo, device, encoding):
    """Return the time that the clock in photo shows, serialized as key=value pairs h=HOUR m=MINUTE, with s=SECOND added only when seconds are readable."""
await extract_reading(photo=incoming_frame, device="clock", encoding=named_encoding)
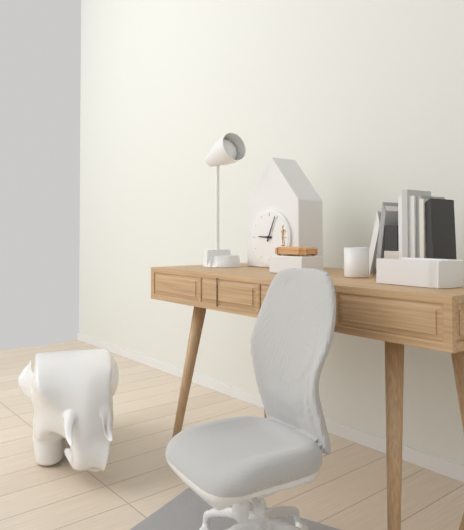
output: h=9 m=4
